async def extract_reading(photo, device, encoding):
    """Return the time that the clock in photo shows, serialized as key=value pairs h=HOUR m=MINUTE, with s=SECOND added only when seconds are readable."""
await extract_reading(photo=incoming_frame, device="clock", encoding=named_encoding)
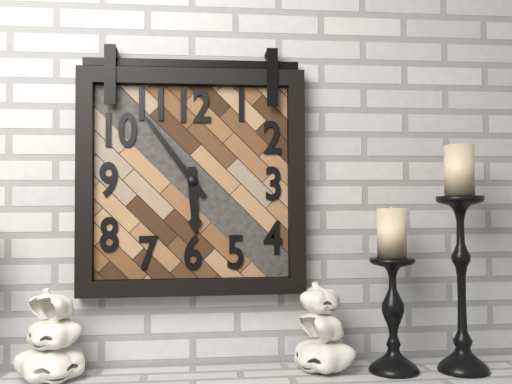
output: h=5 m=54
